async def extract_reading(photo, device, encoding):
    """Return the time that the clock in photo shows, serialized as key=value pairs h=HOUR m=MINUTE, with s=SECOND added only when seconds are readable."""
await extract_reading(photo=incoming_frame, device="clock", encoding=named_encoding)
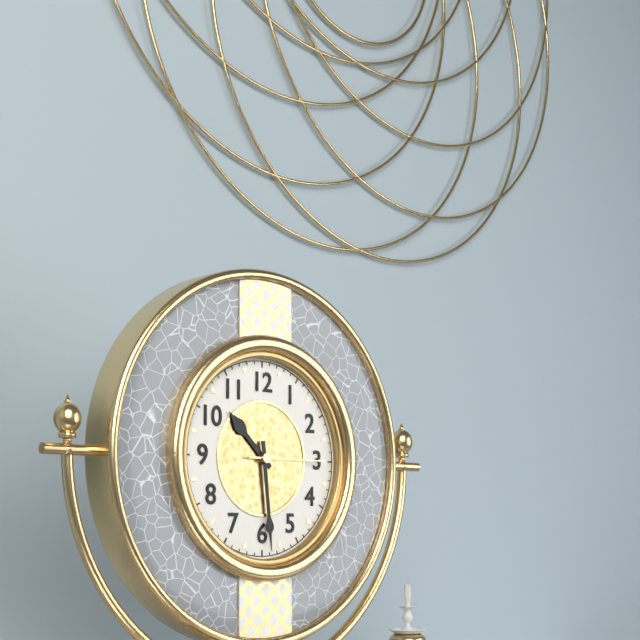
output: h=10 m=29 s=15
